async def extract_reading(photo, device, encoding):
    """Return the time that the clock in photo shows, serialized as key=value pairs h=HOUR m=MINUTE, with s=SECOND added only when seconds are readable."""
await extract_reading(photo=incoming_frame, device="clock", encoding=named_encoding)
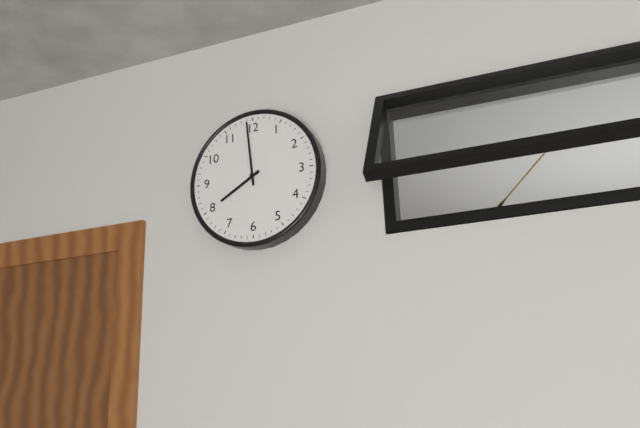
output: h=7 m=59
